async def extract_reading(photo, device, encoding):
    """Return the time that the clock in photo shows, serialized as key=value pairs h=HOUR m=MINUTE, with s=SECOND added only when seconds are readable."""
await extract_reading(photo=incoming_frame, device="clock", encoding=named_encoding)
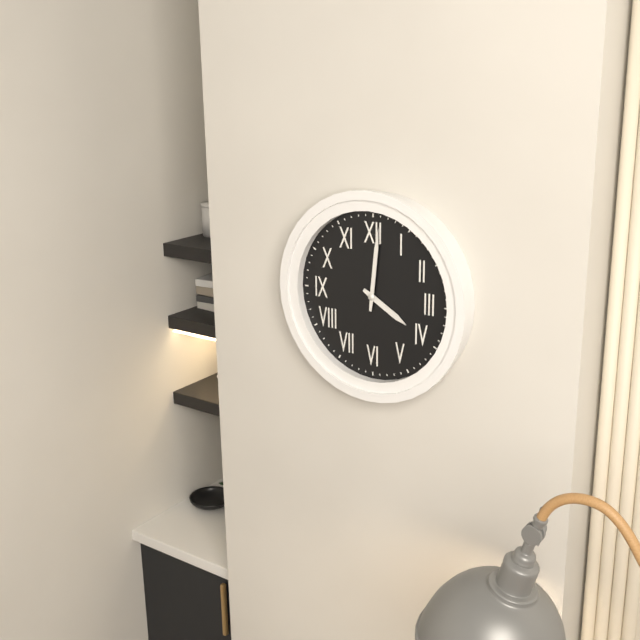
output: h=4 m=1
